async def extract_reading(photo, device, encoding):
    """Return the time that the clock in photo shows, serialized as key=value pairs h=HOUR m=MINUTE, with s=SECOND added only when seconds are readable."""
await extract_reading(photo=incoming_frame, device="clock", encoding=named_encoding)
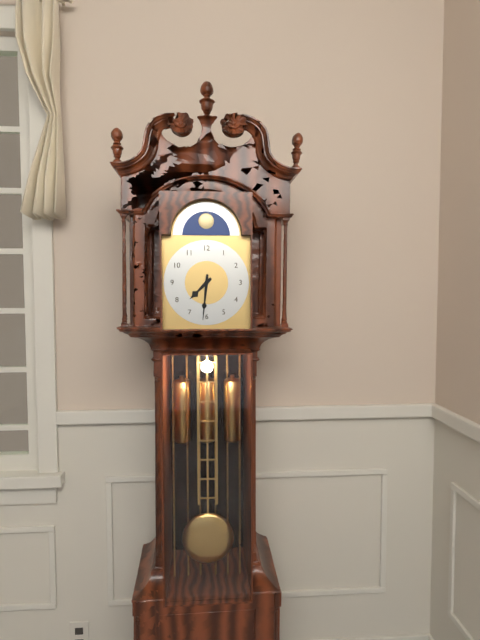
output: h=7 m=31
